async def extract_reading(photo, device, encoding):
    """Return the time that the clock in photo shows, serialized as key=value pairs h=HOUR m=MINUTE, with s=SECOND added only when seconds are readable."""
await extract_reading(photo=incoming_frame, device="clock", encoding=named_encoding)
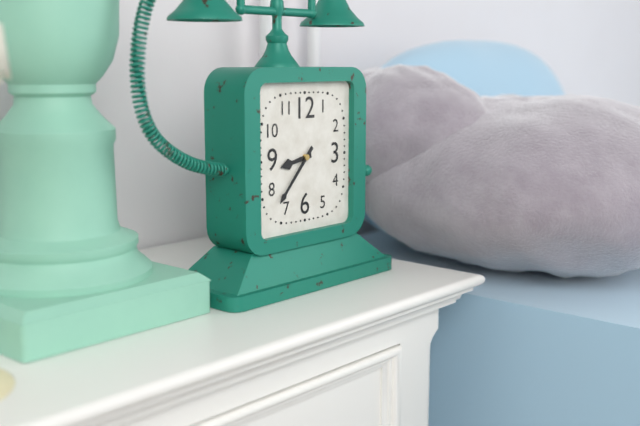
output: h=8 m=37
